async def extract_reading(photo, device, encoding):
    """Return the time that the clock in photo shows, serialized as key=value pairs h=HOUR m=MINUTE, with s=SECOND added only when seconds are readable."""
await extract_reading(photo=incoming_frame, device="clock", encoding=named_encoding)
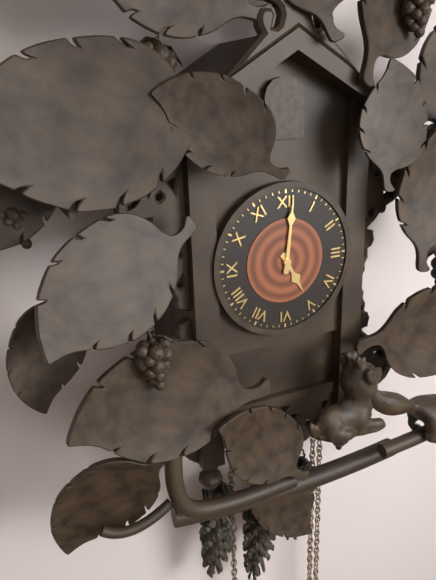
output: h=5 m=1
